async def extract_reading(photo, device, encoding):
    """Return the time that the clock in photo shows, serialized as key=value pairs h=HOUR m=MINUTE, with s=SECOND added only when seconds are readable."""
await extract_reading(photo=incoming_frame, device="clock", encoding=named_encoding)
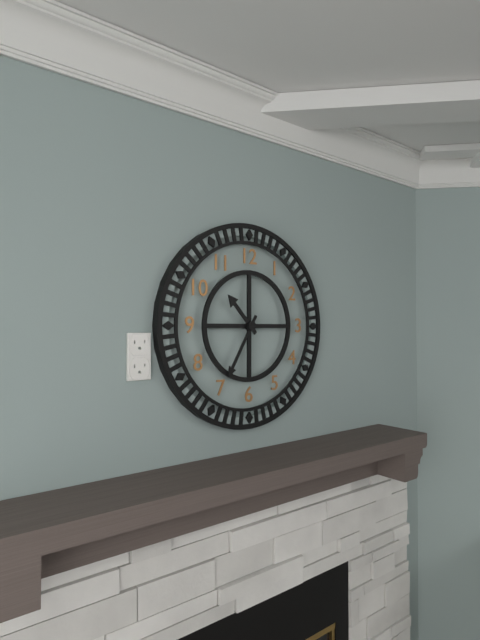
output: h=10 m=35
